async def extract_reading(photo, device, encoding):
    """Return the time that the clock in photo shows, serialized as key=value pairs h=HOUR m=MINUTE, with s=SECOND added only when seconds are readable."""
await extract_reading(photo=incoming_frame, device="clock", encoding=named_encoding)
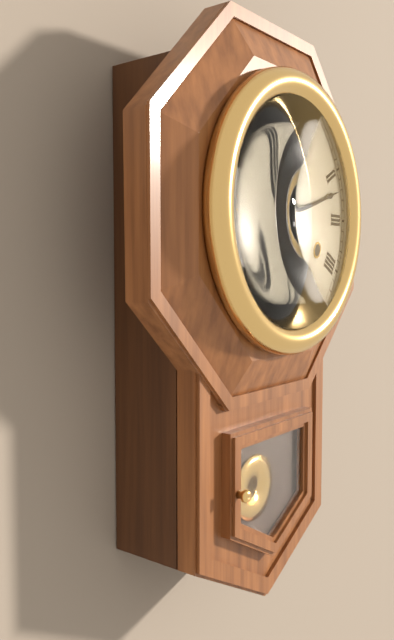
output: h=10 m=12
